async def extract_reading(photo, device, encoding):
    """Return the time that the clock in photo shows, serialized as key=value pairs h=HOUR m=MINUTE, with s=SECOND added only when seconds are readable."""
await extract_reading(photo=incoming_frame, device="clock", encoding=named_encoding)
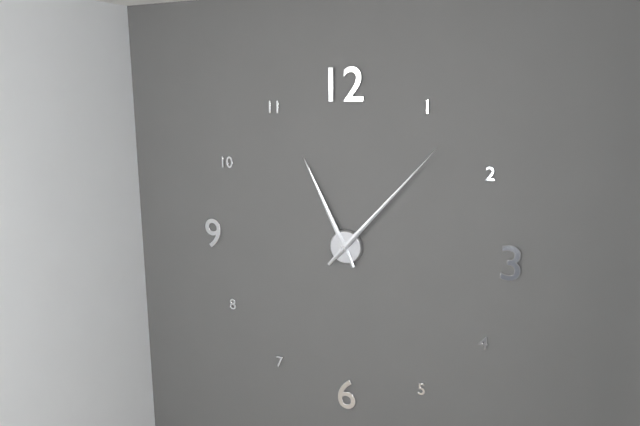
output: h=11 m=7
